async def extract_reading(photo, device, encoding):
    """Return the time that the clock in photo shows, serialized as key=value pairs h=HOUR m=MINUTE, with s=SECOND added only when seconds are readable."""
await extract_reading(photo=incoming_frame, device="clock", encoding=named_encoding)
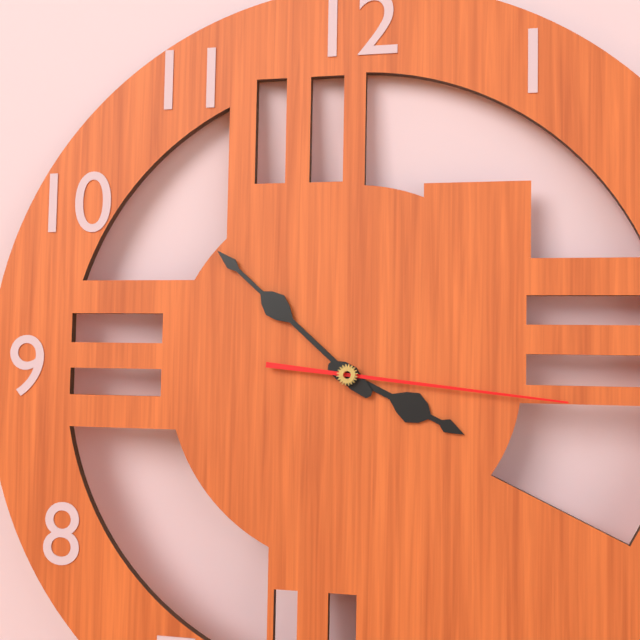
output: h=3 m=52 s=16
